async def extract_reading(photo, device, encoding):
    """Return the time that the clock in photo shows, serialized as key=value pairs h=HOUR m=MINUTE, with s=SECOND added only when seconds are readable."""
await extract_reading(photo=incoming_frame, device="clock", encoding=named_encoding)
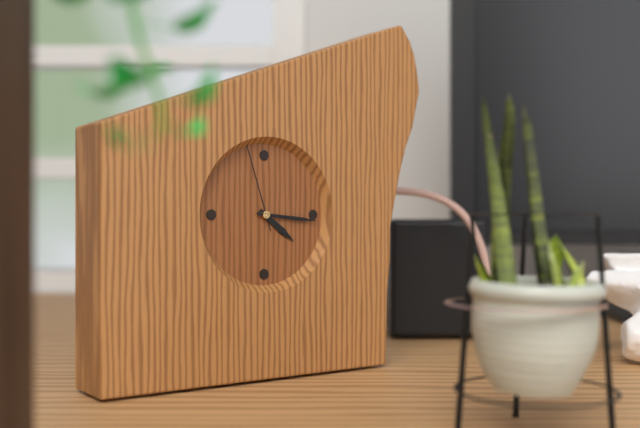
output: h=4 m=16 s=57
